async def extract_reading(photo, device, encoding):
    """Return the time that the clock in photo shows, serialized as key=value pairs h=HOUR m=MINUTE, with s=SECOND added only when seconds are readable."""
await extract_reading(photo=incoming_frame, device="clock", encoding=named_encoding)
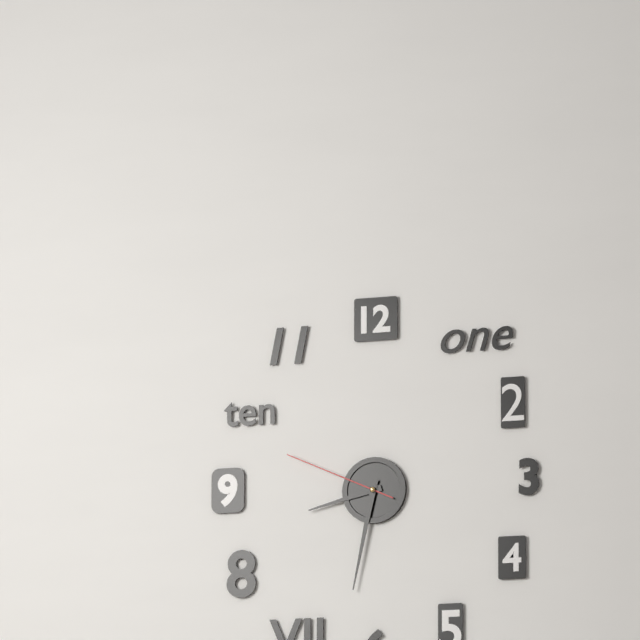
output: h=8 m=32 s=49
